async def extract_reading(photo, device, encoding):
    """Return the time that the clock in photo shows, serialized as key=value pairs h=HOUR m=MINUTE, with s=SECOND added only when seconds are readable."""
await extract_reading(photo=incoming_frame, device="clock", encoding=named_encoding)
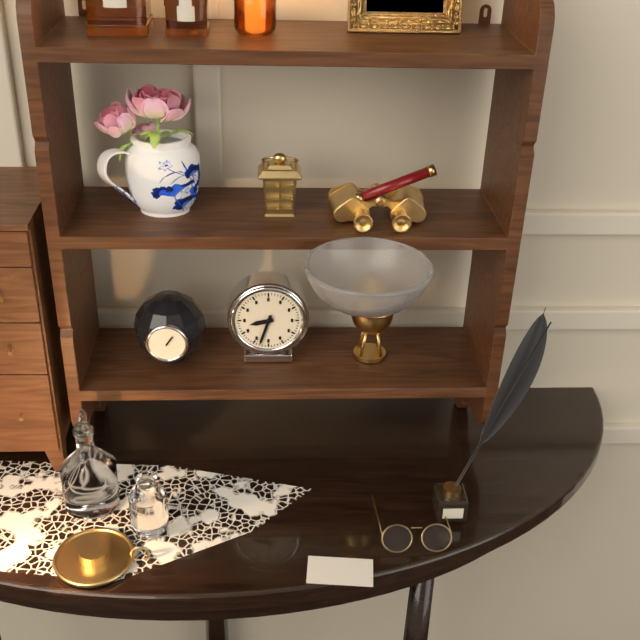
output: h=8 m=33
